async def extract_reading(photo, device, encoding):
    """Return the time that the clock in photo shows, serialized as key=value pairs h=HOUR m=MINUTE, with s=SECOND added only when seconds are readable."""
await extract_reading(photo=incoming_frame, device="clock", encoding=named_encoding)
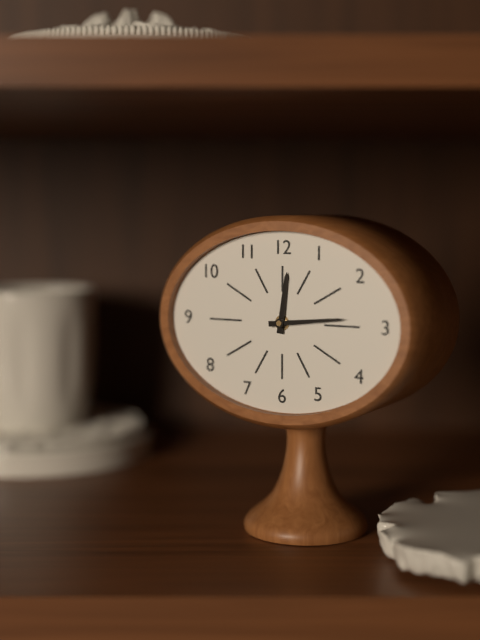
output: h=12 m=14
